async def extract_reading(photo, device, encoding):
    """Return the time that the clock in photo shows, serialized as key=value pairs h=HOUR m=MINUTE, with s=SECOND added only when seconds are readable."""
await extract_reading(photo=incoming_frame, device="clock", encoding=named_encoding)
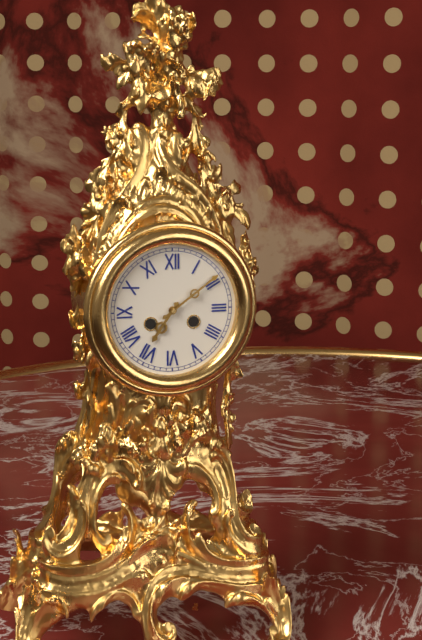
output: h=7 m=9
